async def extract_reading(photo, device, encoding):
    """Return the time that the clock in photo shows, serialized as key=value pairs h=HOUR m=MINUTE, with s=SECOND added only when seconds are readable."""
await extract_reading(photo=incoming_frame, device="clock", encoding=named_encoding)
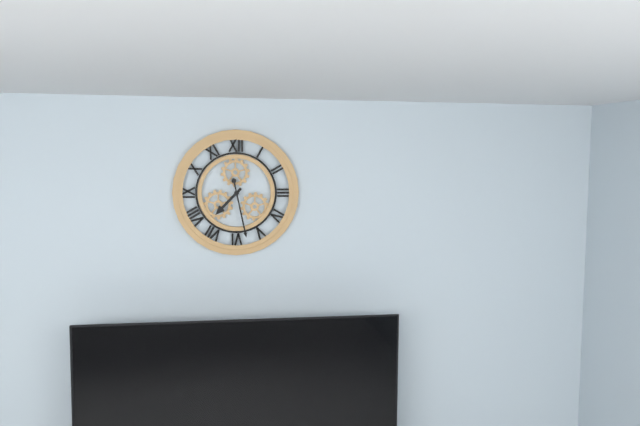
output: h=7 m=28
